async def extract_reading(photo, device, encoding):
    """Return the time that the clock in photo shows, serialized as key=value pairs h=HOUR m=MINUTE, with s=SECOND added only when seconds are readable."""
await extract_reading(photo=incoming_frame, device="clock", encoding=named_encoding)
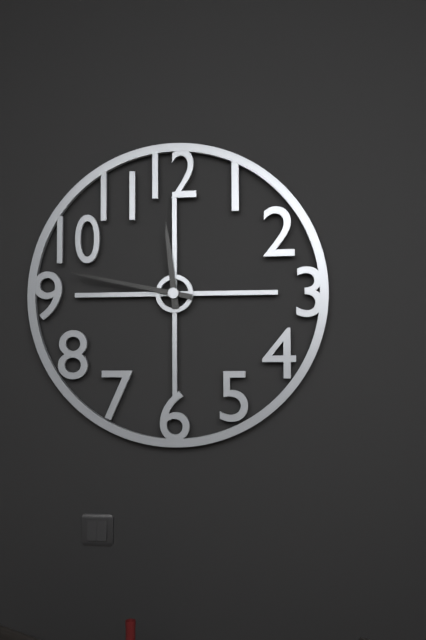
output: h=11 m=47
